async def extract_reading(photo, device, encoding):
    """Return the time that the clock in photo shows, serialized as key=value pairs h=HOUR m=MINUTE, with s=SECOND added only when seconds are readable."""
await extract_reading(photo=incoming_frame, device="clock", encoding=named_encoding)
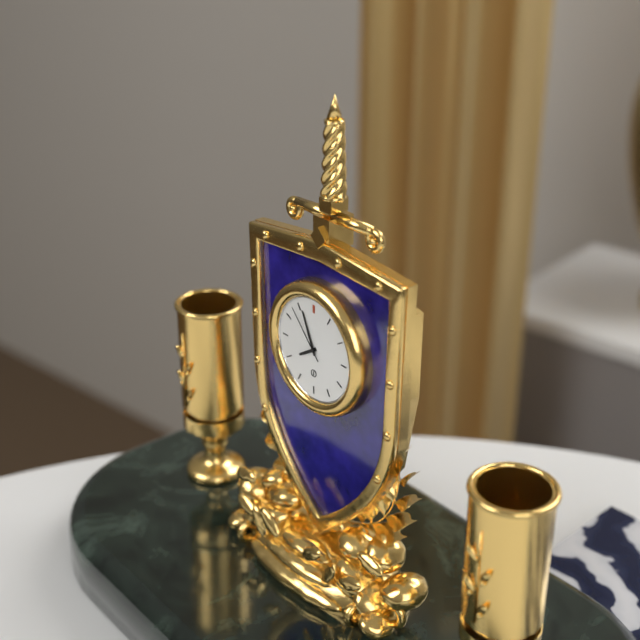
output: h=7 m=56 s=53
